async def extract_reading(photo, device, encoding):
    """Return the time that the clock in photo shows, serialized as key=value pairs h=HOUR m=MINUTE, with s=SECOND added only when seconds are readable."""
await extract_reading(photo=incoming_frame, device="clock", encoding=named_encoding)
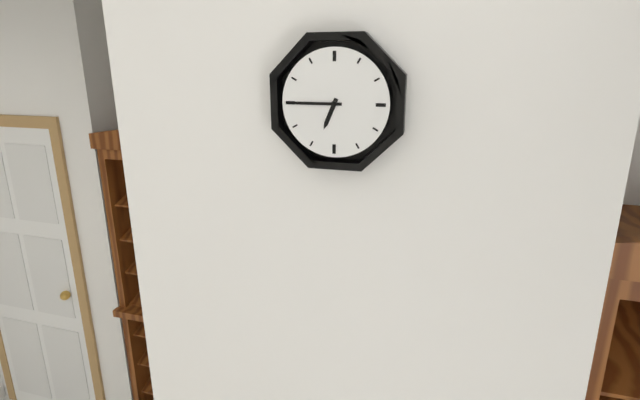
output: h=6 m=45
